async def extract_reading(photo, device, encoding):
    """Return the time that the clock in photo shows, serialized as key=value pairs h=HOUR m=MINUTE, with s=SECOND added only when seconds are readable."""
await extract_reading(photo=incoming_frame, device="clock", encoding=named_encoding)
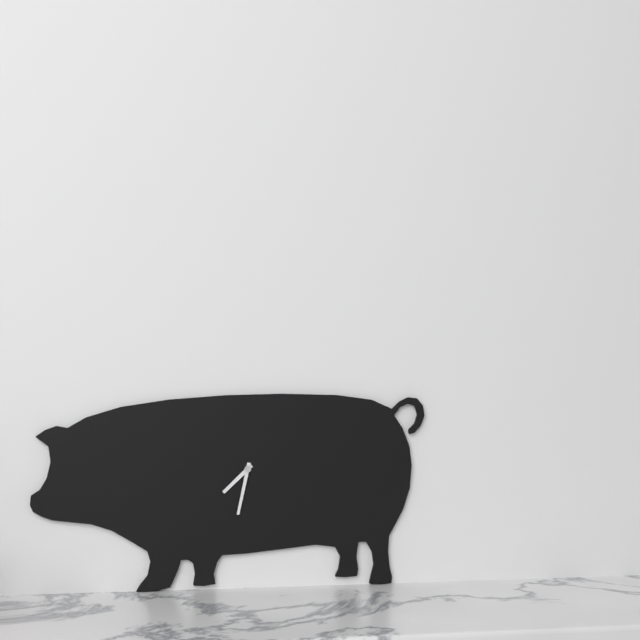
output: h=7 m=32
